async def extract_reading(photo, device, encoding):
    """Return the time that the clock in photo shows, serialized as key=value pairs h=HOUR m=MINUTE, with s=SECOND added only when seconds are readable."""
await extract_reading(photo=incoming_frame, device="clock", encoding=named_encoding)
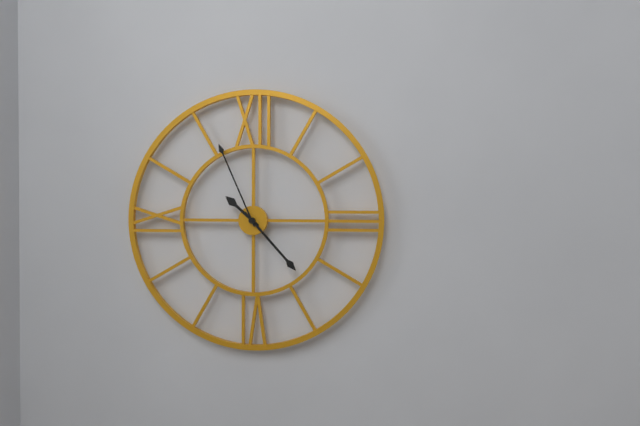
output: h=10 m=23 s=56
